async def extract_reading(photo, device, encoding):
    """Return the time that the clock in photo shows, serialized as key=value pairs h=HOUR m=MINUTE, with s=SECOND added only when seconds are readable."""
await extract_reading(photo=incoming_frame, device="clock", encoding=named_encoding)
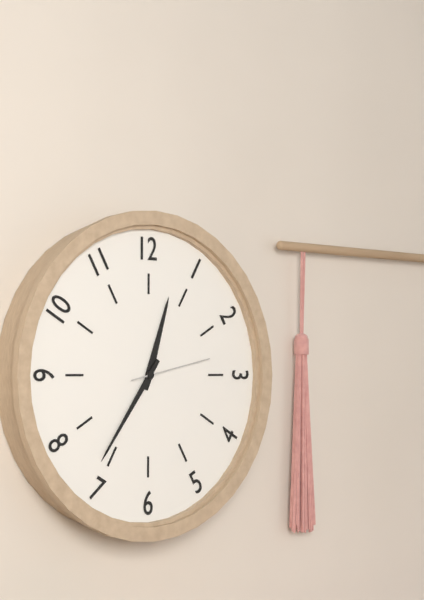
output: h=12 m=36 s=13
